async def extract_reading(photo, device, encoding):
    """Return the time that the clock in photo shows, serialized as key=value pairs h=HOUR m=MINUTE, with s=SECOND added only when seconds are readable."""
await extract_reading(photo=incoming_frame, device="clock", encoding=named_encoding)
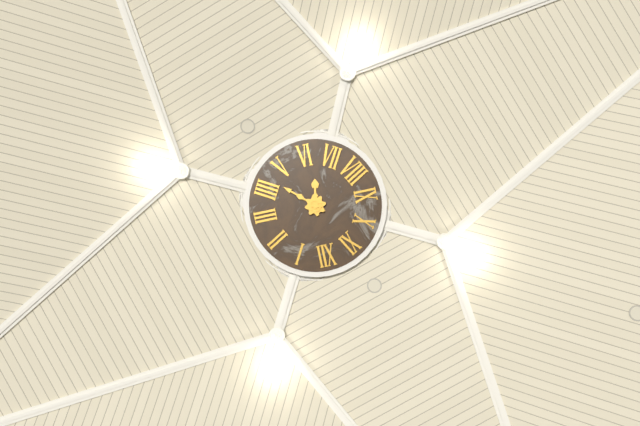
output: h=6 m=22
